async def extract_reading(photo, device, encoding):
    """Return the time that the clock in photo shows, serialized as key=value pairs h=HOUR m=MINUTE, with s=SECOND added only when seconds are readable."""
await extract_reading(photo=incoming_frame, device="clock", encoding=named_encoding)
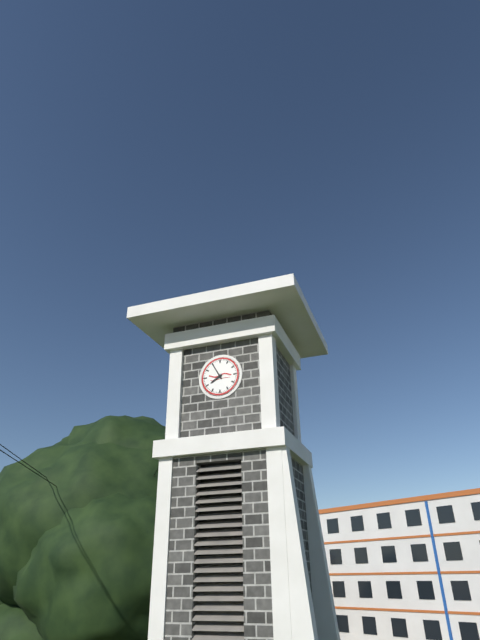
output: h=7 m=55
